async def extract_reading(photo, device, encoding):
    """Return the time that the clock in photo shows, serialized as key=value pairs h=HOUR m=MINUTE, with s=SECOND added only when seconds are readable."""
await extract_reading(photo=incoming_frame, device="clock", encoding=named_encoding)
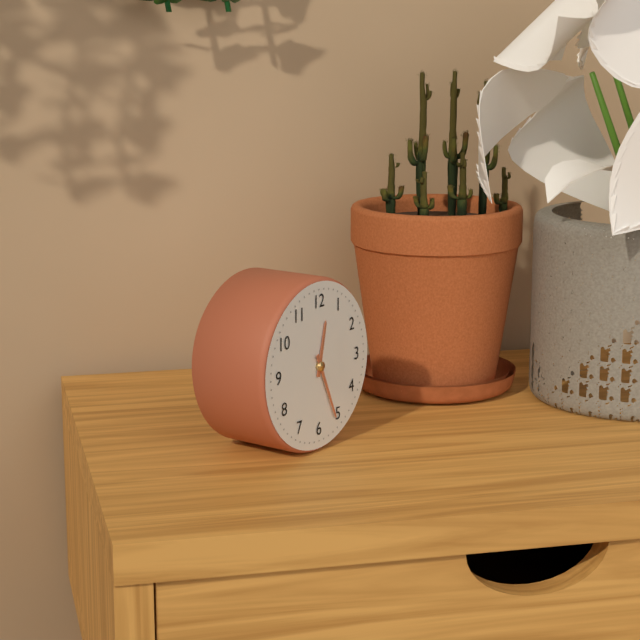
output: h=12 m=26
